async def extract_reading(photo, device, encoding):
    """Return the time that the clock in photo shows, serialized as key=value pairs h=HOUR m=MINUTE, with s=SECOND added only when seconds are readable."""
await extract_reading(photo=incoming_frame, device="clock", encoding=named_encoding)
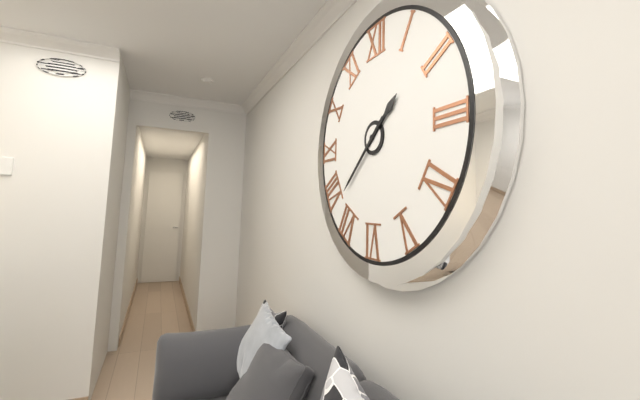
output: h=1 m=38
